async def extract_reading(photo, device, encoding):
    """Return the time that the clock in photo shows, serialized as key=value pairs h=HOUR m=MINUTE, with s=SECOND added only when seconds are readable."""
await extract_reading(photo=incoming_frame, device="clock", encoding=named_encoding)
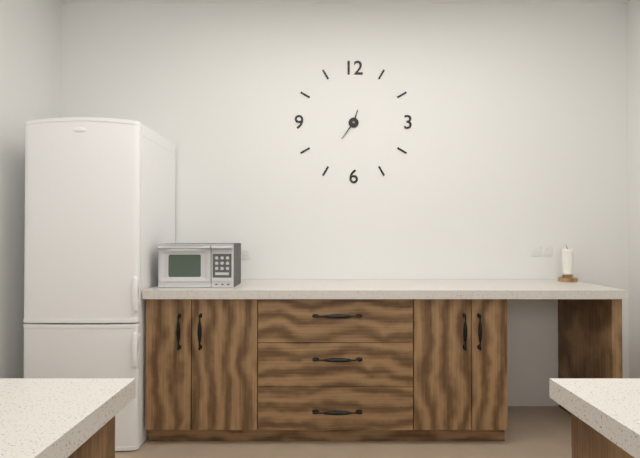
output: h=12 m=36
